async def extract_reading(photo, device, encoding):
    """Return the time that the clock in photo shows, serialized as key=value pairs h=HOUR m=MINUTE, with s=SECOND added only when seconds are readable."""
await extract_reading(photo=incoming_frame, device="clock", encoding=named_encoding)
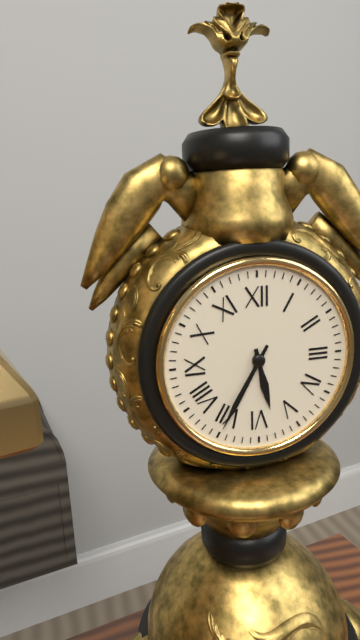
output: h=5 m=35
